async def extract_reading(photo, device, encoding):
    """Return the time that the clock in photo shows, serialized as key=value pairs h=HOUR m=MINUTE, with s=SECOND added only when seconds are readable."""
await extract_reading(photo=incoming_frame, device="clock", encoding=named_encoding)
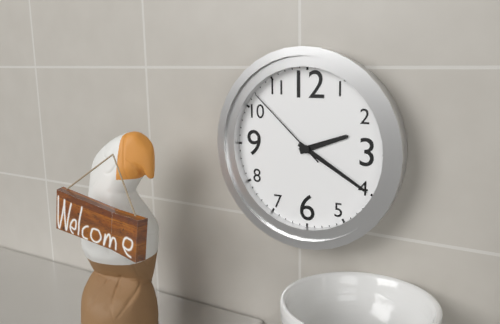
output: h=2 m=20 s=52
